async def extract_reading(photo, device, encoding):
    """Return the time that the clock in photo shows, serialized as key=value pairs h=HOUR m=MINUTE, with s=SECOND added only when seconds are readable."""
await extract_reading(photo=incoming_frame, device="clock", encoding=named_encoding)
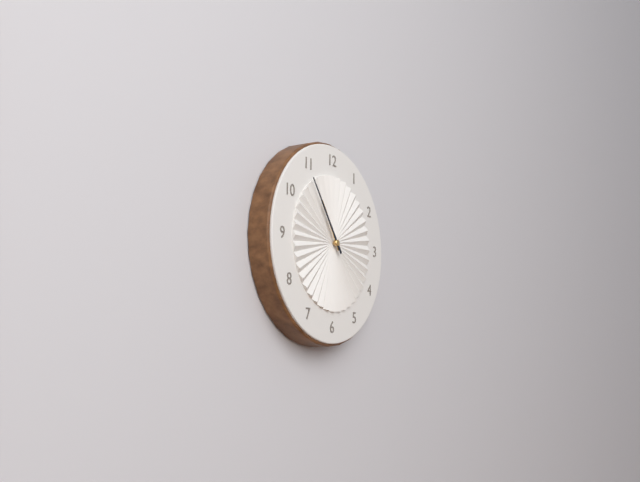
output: h=10 m=54
